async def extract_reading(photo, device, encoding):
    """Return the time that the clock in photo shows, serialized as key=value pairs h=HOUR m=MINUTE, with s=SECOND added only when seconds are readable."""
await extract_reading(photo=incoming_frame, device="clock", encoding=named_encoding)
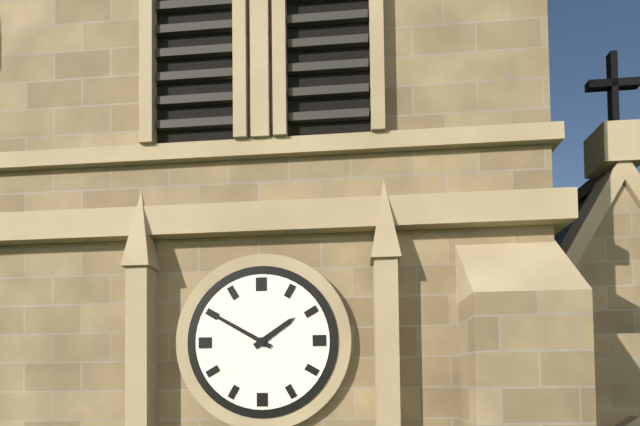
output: h=1 m=50
